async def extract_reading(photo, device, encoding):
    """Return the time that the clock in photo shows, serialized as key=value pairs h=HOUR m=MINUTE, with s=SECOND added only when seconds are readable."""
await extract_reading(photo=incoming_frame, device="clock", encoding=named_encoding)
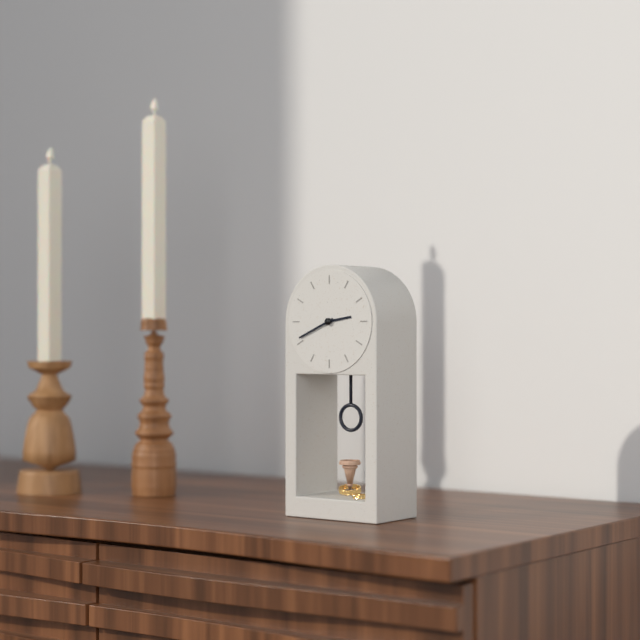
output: h=2 m=41
